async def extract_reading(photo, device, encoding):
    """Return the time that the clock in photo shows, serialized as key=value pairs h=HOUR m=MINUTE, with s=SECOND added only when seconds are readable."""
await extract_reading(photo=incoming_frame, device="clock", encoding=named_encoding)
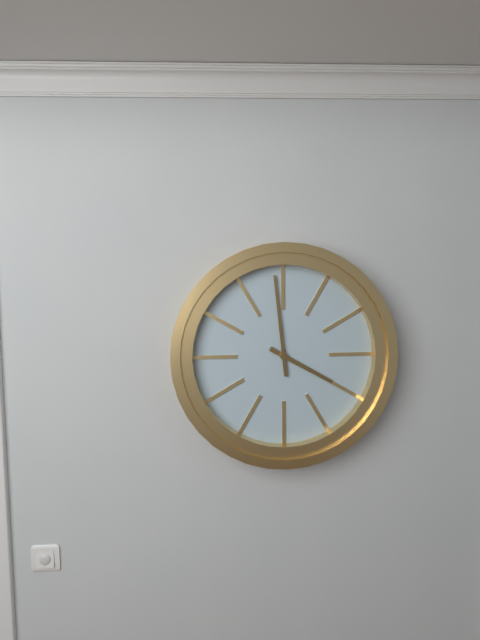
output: h=3 m=59
